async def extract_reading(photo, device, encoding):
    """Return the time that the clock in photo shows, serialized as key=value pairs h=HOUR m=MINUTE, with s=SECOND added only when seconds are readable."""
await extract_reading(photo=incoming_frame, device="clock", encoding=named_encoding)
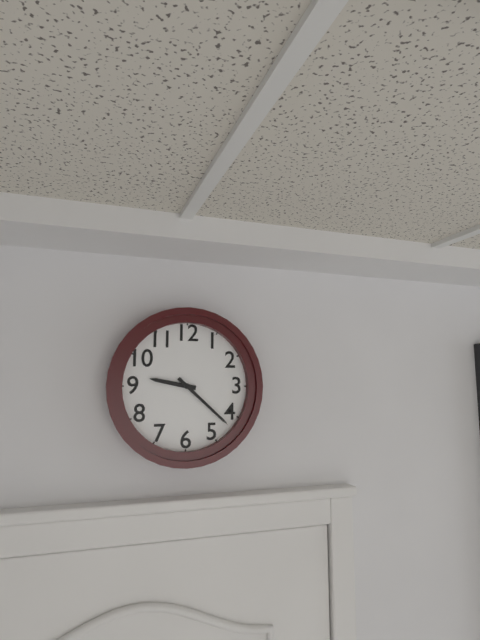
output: h=9 m=22
